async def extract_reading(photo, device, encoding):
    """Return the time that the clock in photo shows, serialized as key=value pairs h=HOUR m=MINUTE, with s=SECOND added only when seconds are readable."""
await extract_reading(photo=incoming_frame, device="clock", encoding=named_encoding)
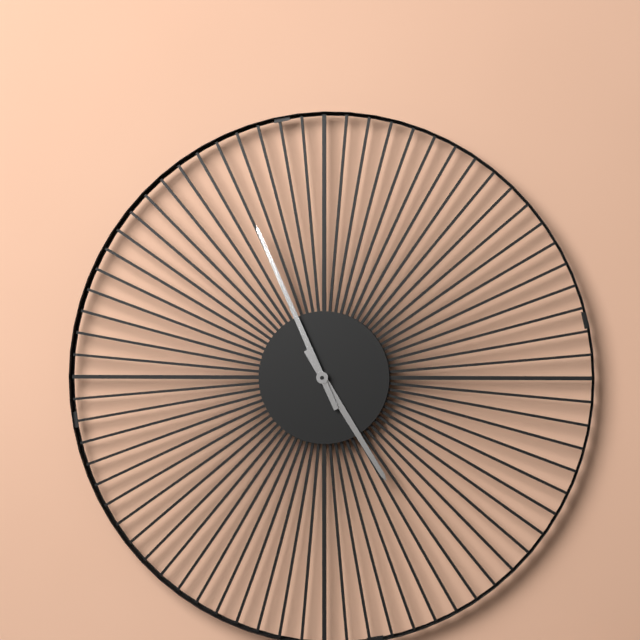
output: h=4 m=56
